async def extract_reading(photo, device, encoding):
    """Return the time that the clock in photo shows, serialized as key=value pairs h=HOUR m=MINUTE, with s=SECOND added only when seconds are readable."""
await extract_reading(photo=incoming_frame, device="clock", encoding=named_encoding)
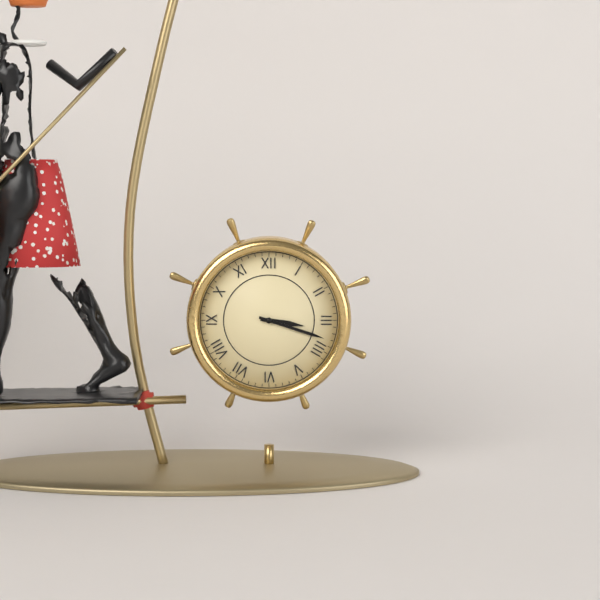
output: h=3 m=18
